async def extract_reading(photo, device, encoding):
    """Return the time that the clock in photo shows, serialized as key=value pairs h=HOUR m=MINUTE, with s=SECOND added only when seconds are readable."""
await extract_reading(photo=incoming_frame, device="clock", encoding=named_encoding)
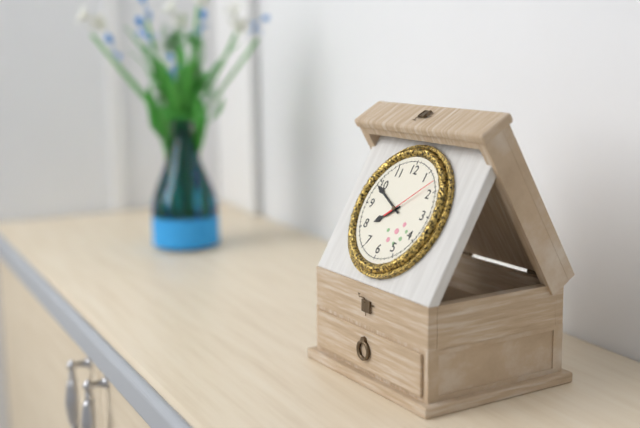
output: h=7 m=49 s=8
